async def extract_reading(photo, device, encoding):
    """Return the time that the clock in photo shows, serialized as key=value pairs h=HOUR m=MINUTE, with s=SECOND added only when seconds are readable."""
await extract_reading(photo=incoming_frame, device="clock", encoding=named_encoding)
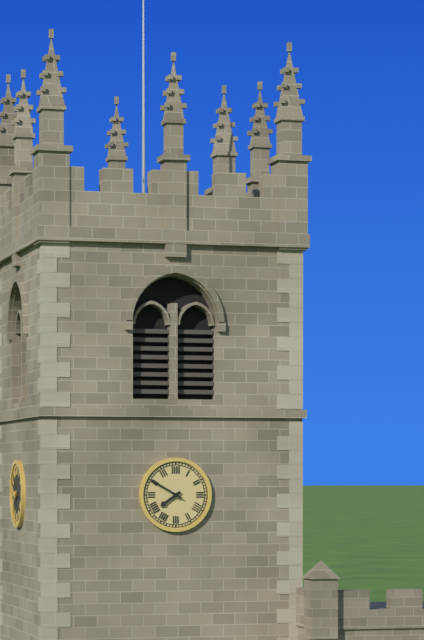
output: h=7 m=50
